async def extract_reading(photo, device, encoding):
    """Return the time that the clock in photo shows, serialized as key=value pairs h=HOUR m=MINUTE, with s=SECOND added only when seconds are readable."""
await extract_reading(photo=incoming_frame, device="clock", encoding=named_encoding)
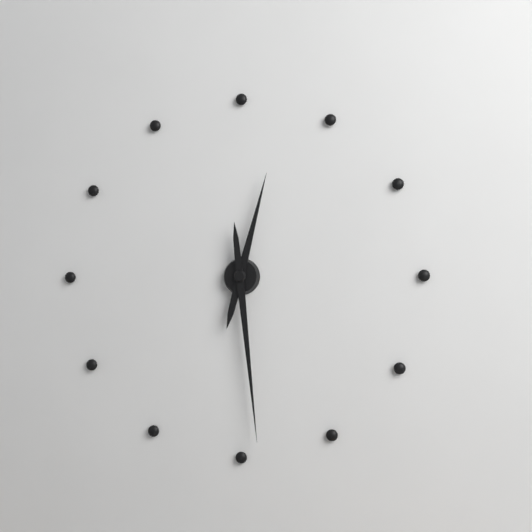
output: h=12 m=29
